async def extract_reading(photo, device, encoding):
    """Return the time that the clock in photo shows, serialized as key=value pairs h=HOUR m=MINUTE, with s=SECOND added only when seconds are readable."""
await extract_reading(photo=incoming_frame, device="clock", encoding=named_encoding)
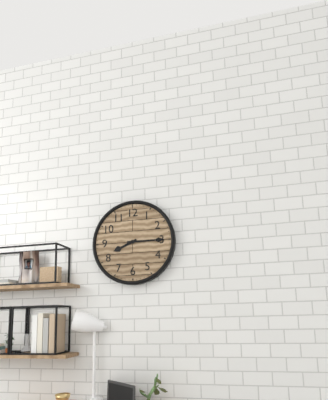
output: h=8 m=15
